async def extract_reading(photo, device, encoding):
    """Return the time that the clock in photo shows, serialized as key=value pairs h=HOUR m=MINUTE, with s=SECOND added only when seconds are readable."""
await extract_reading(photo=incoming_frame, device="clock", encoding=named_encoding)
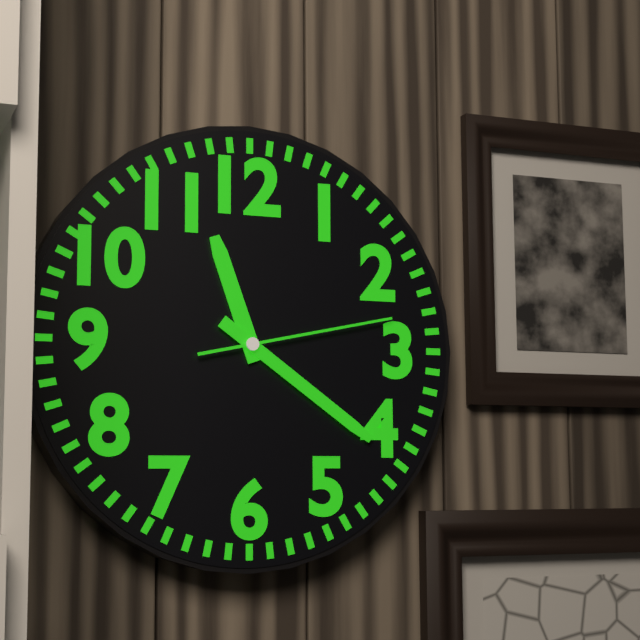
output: h=11 m=21 s=13
